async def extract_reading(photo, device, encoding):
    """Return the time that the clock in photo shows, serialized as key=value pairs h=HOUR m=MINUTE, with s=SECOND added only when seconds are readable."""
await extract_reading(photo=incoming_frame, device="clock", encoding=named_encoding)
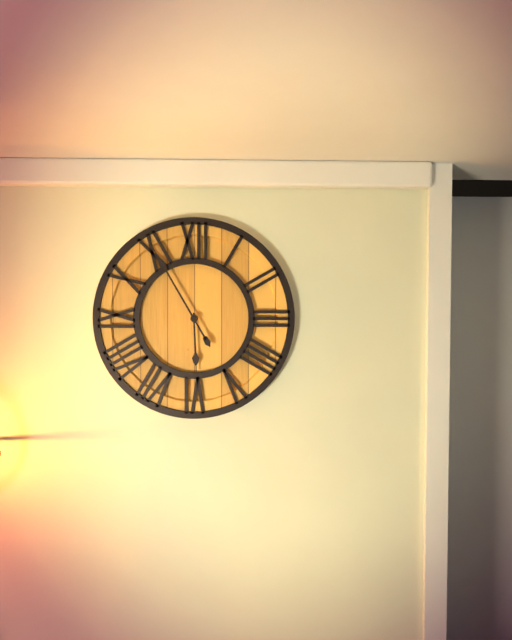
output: h=5 m=55
